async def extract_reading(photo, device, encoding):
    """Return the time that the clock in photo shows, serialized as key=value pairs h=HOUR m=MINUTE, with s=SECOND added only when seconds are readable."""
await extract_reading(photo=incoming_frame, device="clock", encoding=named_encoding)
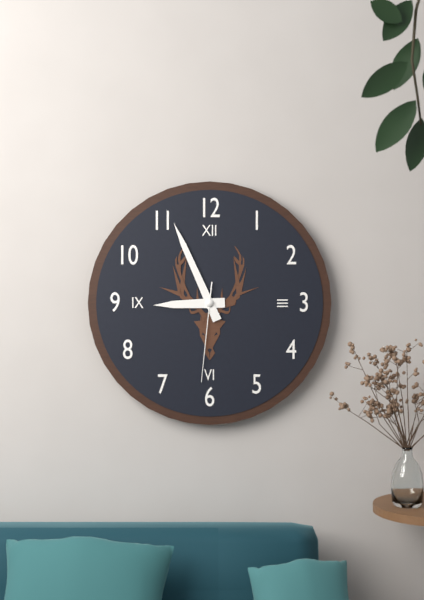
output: h=8 m=56 s=31
